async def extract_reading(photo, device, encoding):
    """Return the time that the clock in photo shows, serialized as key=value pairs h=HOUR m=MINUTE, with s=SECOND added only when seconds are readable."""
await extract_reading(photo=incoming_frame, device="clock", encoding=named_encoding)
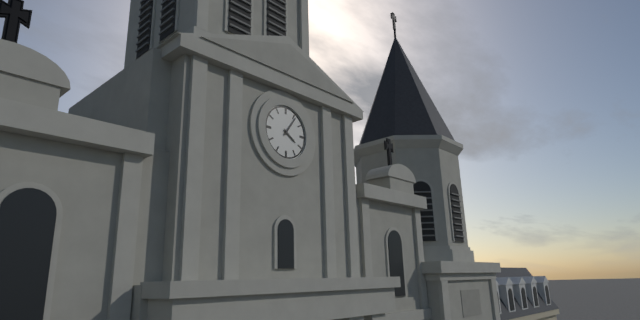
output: h=4 m=6
